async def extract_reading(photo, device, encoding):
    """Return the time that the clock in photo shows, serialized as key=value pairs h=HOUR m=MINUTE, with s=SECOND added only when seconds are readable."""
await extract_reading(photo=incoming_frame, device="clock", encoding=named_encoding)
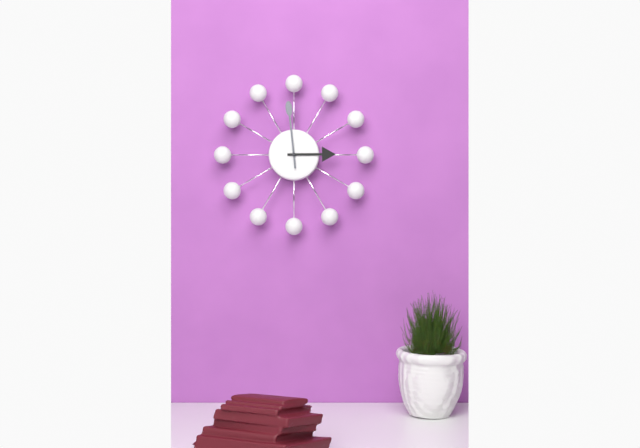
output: h=2 m=59
